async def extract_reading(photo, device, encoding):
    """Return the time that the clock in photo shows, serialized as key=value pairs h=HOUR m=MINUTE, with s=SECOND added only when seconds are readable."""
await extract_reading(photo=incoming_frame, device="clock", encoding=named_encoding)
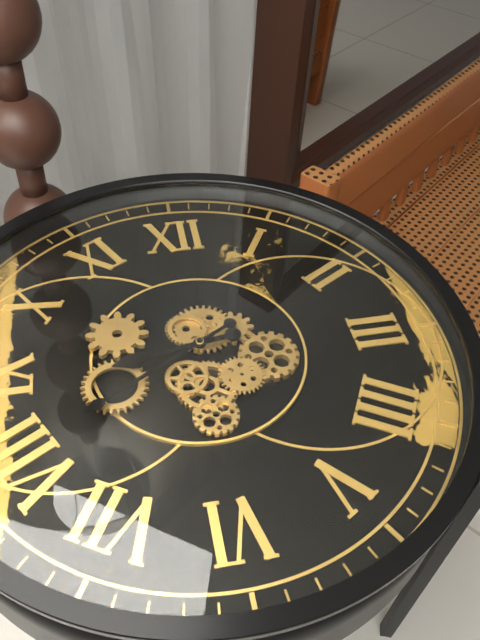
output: h=8 m=40
